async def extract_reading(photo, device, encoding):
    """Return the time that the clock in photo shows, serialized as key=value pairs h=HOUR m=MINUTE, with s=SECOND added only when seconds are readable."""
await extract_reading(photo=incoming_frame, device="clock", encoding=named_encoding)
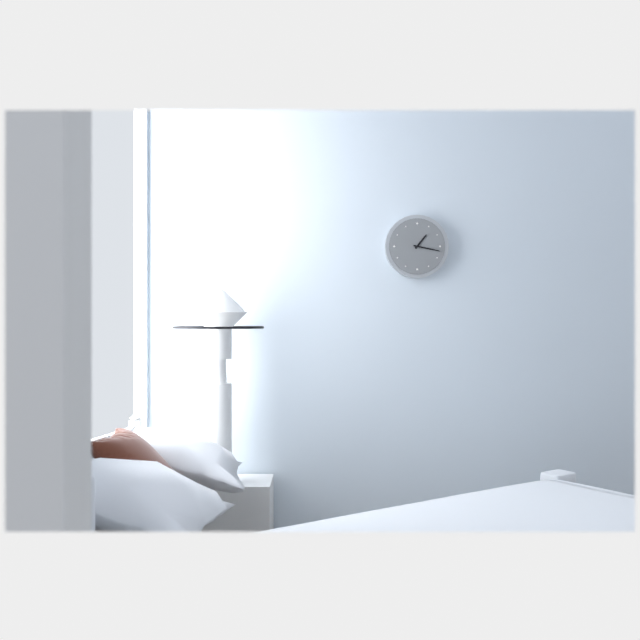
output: h=1 m=17
